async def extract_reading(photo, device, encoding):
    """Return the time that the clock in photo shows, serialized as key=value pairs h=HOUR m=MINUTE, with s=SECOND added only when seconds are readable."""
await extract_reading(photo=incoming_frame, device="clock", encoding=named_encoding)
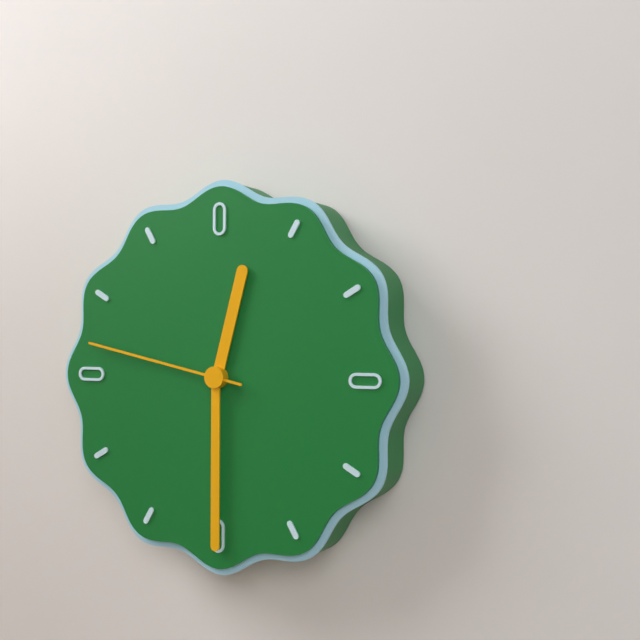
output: h=12 m=30 s=47
